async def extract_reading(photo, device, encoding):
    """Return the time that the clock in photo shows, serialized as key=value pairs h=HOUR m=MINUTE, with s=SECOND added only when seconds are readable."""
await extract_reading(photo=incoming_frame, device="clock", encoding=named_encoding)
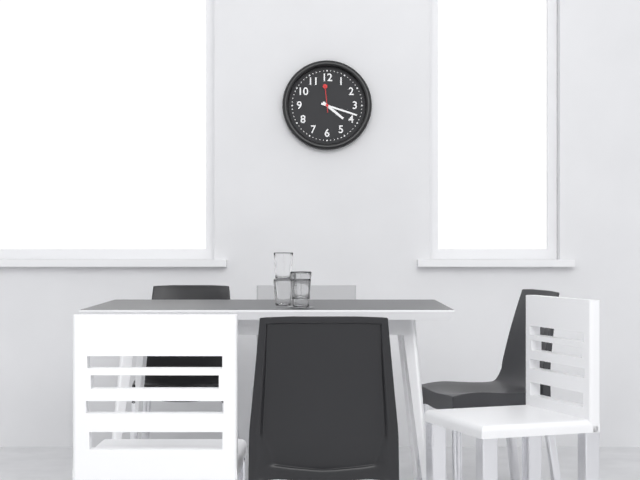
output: h=4 m=18
